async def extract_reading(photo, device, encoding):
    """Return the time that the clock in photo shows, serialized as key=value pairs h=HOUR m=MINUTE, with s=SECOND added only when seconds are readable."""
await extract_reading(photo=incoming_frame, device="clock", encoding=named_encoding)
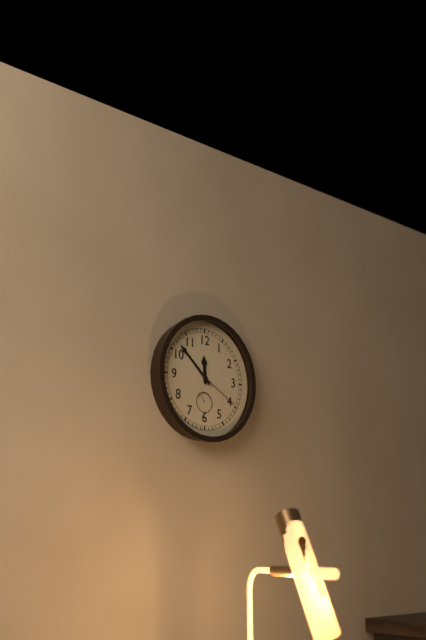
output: h=11 m=52
